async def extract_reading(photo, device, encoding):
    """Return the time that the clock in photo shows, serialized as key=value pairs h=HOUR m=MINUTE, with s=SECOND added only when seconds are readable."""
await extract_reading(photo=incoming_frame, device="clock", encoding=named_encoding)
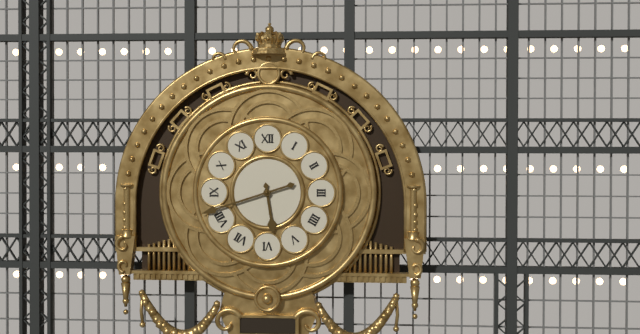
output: h=5 m=42
